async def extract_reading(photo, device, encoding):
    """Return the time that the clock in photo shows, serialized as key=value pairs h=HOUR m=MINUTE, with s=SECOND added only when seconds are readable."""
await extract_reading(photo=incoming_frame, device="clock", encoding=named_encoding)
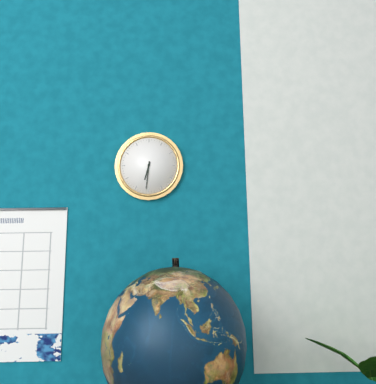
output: h=6 m=31
